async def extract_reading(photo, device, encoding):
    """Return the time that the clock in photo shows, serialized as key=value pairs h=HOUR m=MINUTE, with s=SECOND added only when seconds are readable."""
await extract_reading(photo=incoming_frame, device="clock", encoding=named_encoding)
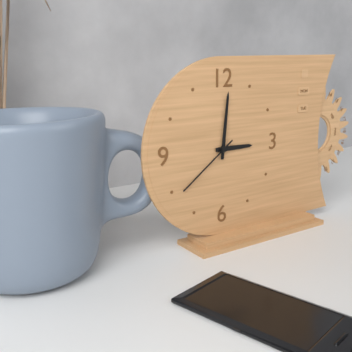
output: h=3 m=1 s=39
